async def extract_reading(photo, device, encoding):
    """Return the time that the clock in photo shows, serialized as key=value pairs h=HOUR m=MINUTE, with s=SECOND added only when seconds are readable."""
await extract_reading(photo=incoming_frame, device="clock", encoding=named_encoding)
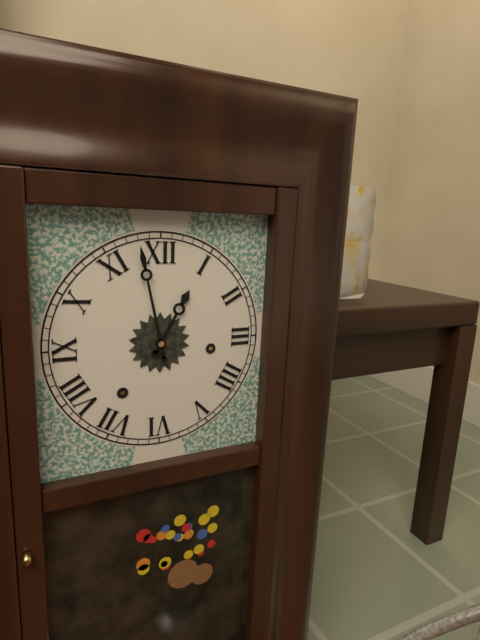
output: h=12 m=58
